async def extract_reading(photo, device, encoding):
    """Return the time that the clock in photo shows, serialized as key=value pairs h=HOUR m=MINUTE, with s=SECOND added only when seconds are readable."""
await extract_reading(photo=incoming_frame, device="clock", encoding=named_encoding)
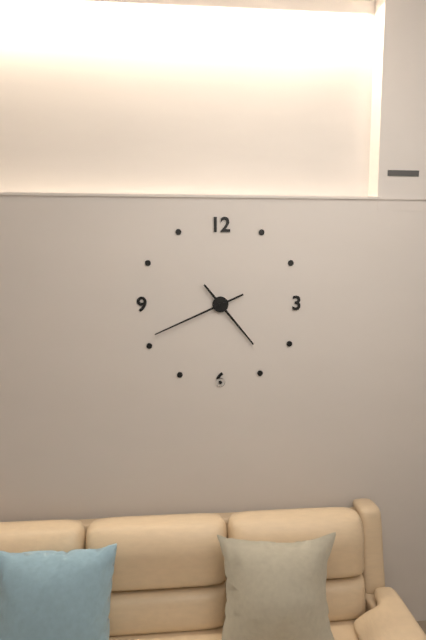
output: h=4 m=41
